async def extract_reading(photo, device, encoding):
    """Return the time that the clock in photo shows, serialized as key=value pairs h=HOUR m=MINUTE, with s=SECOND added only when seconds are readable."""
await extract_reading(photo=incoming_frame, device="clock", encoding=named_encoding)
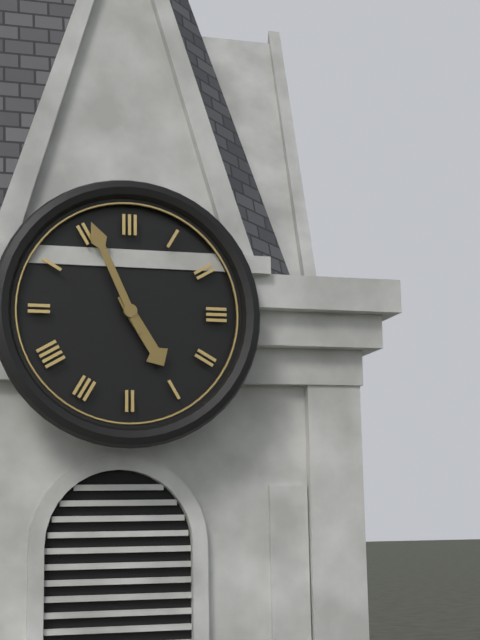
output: h=4 m=56
